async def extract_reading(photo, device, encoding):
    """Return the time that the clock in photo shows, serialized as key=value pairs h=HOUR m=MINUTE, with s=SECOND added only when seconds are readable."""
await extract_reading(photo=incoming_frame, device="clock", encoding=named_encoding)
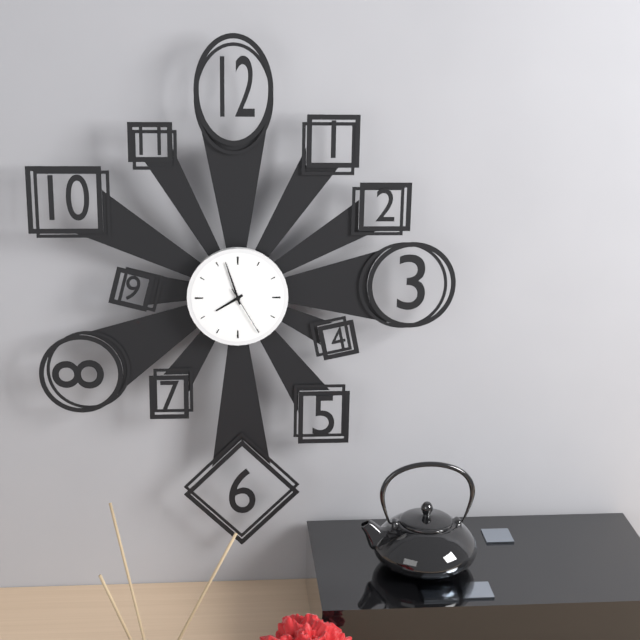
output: h=7 m=57 s=25
